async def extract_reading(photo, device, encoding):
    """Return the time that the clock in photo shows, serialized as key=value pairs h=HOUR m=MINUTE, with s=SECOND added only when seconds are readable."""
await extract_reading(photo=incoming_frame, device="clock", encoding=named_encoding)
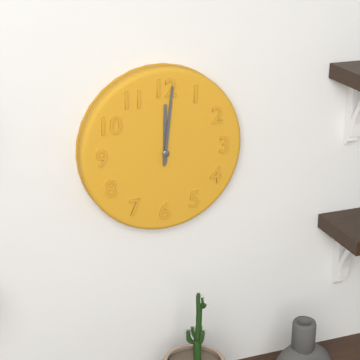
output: h=12 m=1
